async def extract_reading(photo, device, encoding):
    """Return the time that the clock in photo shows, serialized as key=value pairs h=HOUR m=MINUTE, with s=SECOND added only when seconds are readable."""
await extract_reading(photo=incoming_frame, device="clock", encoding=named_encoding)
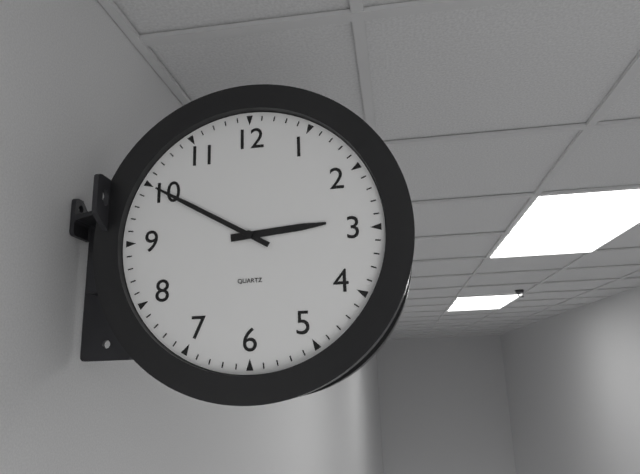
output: h=2 m=50
